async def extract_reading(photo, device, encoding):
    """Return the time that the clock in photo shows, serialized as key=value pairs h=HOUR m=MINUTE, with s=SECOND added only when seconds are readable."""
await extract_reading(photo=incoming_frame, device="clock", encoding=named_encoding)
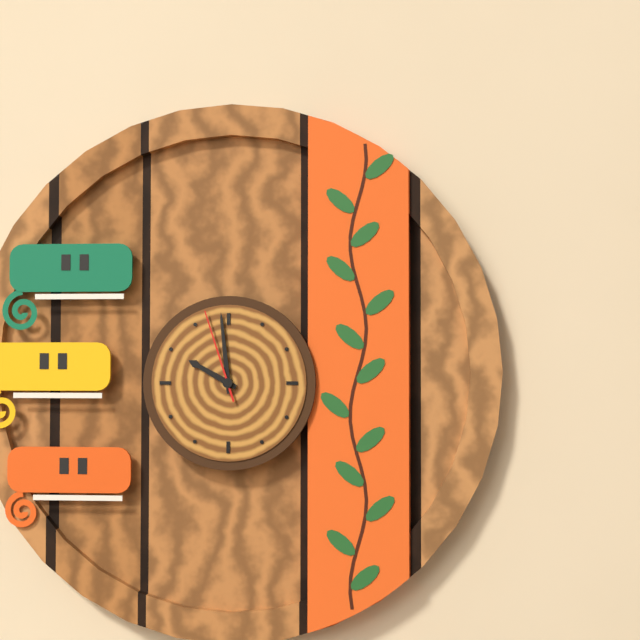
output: h=9 m=59 s=57
